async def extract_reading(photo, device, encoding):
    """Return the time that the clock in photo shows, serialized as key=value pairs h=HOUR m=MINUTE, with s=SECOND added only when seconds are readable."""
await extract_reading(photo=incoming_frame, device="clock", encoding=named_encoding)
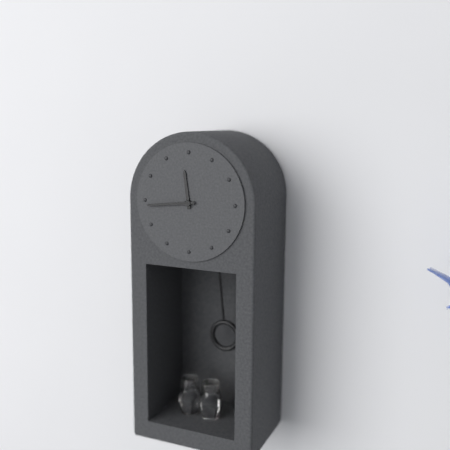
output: h=11 m=44
